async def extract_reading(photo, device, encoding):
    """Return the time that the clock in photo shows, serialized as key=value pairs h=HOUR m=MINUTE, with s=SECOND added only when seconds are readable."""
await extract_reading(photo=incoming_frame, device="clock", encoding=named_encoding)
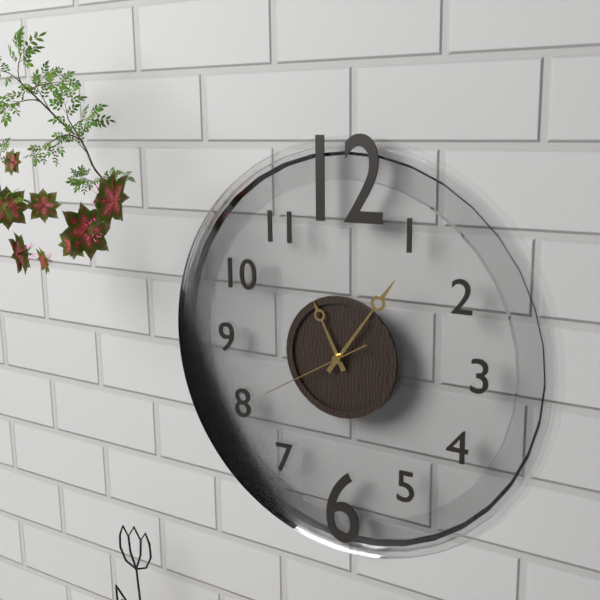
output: h=11 m=6 s=40
